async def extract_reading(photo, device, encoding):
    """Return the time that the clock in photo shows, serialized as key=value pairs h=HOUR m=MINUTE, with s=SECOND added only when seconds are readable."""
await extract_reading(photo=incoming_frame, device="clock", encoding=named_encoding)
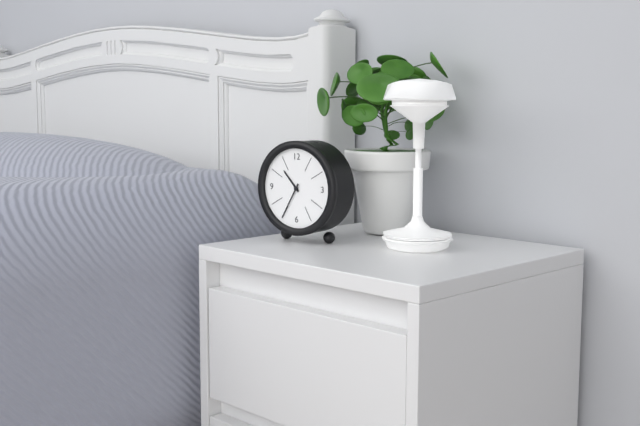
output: h=10 m=35
